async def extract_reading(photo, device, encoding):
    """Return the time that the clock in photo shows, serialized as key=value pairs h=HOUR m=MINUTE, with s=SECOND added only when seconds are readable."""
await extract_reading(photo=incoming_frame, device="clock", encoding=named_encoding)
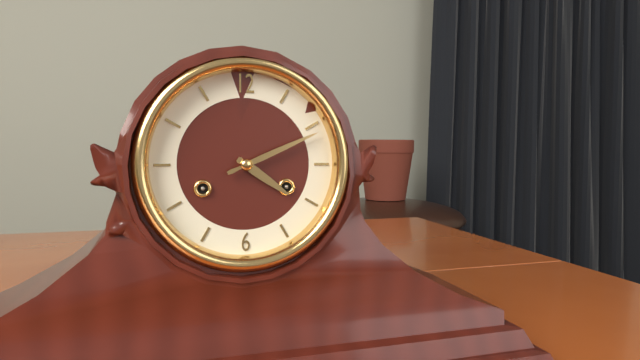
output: h=4 m=11
